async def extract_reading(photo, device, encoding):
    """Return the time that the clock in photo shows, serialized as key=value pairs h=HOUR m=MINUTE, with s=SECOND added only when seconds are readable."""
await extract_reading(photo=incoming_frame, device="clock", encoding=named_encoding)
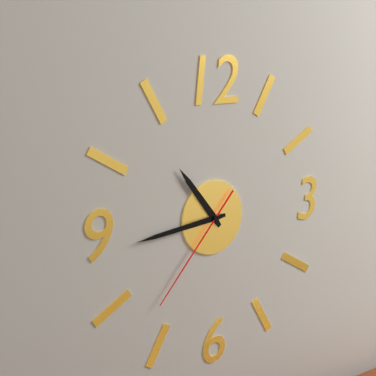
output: h=10 m=44 s=37
